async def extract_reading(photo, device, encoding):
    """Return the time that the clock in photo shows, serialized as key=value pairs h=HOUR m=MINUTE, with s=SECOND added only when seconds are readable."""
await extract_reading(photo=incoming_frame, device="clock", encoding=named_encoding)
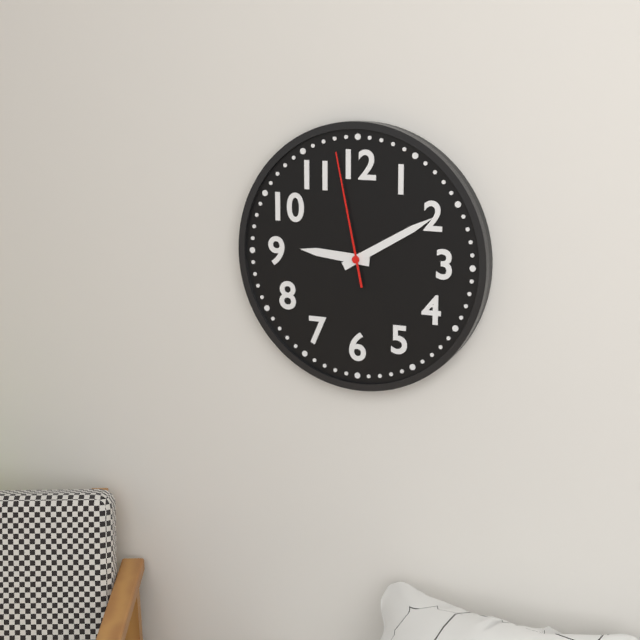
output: h=9 m=10 s=58
